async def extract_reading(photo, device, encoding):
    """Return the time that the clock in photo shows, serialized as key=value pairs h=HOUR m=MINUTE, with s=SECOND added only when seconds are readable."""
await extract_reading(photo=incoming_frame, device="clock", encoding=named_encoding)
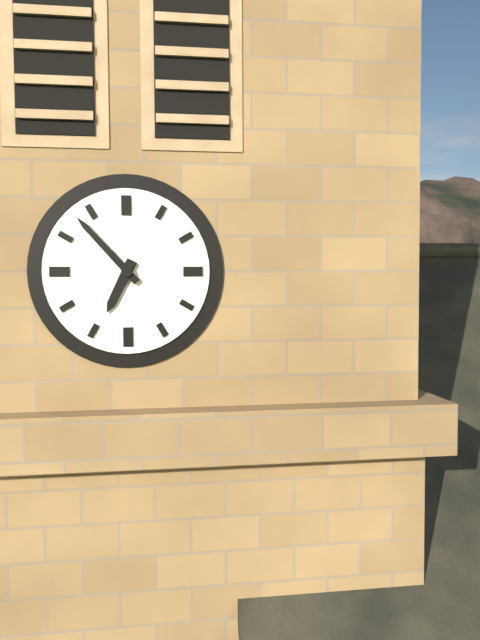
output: h=6 m=53
